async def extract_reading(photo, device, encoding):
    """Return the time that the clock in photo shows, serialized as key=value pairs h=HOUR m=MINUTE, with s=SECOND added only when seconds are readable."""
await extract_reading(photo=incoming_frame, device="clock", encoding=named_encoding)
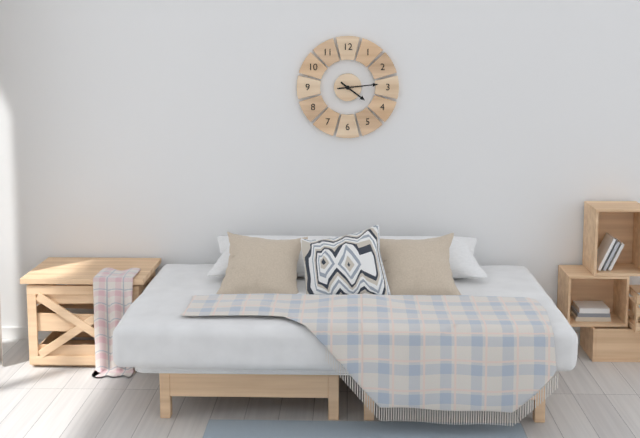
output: h=4 m=14
